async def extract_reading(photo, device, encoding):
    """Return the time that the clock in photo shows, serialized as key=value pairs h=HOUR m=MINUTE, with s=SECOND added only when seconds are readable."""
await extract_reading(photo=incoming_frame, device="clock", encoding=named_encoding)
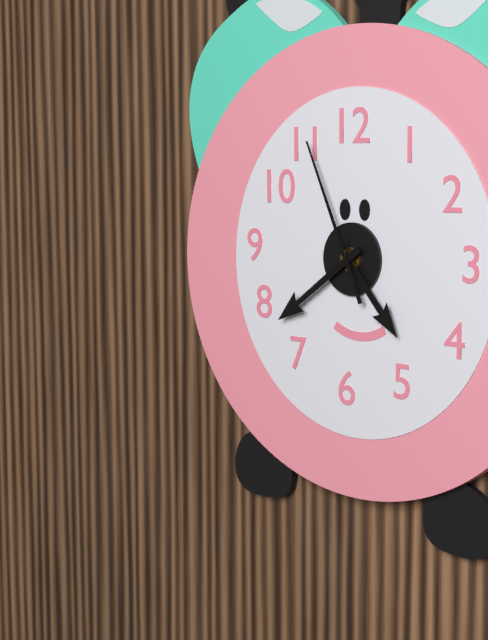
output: h=4 m=39 s=56
